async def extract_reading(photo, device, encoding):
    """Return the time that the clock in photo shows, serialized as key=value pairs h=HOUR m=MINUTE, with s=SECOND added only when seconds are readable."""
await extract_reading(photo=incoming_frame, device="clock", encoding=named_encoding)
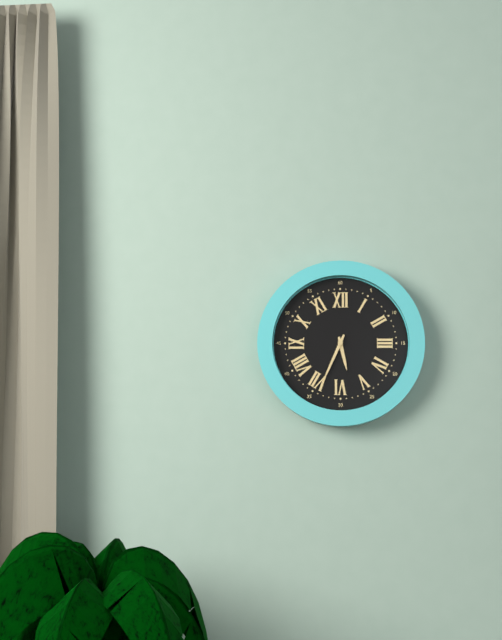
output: h=5 m=34
